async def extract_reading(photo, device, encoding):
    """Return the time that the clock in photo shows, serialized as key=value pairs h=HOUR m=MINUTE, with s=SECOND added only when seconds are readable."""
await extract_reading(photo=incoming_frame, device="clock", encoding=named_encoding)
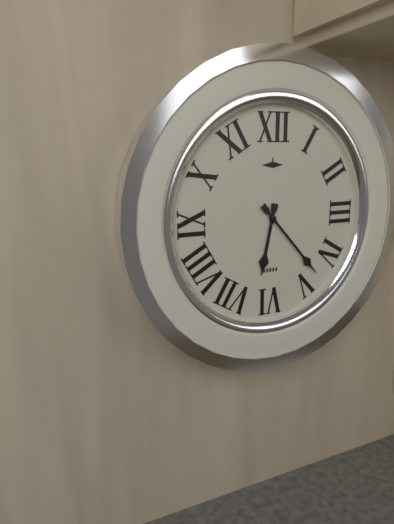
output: h=6 m=23
